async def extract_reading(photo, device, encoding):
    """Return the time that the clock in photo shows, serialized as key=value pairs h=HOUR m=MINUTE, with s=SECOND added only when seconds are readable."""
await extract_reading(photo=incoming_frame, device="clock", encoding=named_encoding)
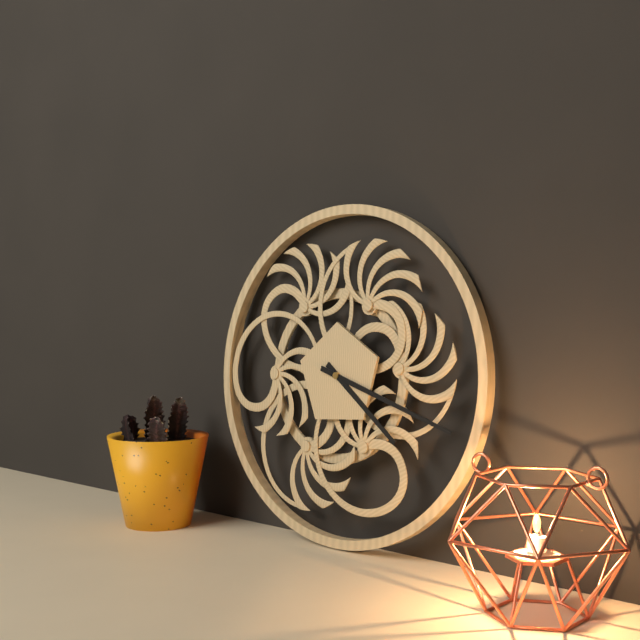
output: h=4 m=18
